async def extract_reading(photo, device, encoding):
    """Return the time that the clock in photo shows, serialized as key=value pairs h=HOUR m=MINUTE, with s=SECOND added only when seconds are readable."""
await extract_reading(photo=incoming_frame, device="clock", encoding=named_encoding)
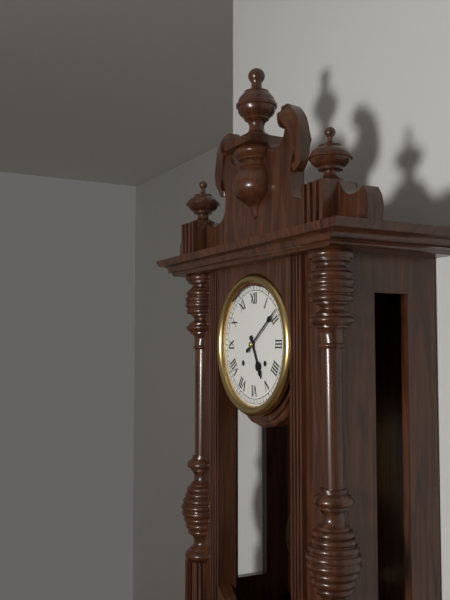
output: h=5 m=9
